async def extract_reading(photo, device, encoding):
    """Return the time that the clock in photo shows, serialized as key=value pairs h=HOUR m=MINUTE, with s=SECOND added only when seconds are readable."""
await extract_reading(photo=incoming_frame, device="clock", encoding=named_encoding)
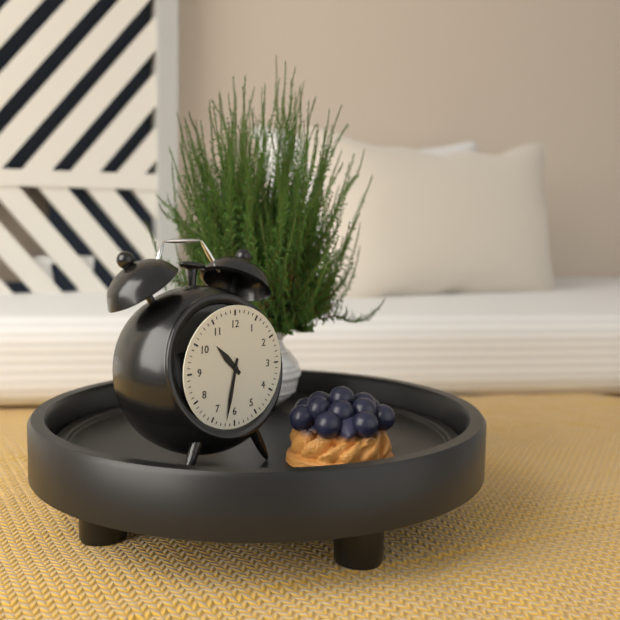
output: h=10 m=32
